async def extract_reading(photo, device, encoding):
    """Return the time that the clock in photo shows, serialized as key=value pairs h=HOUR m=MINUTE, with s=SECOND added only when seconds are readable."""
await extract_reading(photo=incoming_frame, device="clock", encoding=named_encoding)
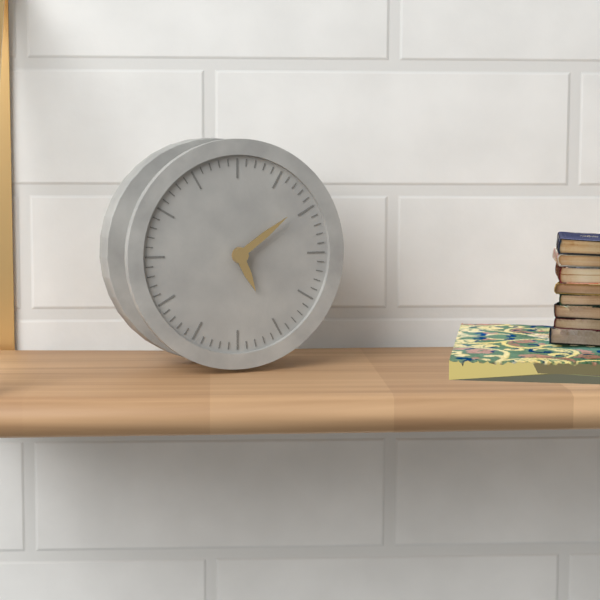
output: h=5 m=9
